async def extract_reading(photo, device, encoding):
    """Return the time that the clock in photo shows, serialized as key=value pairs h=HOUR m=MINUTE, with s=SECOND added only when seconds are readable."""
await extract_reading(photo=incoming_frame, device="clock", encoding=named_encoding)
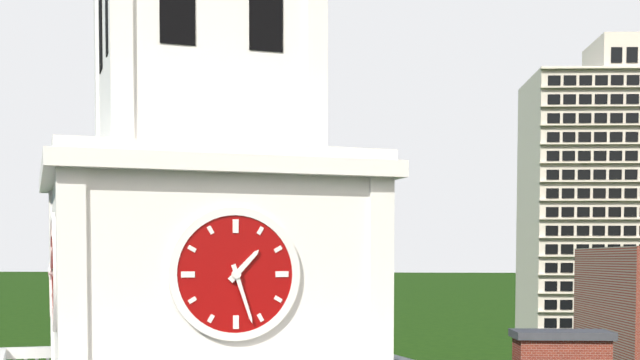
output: h=1 m=27
